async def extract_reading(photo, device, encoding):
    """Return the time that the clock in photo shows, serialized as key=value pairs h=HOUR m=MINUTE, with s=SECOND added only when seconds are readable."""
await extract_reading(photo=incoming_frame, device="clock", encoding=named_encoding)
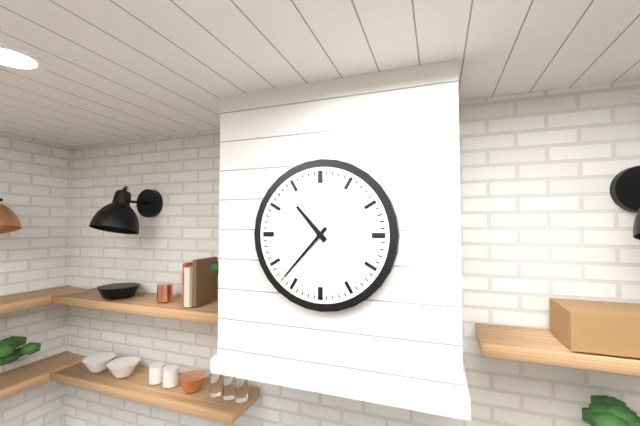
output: h=10 m=37
